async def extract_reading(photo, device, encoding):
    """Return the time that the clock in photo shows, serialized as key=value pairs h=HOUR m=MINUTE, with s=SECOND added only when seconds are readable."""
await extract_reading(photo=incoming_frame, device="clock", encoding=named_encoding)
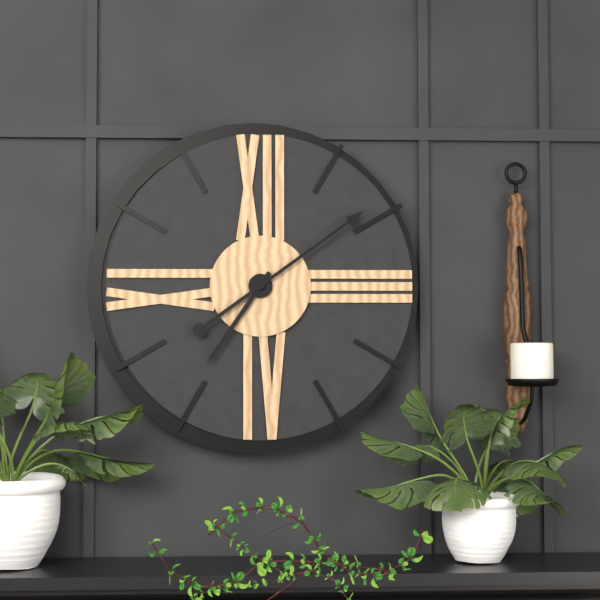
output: h=7 m=9
